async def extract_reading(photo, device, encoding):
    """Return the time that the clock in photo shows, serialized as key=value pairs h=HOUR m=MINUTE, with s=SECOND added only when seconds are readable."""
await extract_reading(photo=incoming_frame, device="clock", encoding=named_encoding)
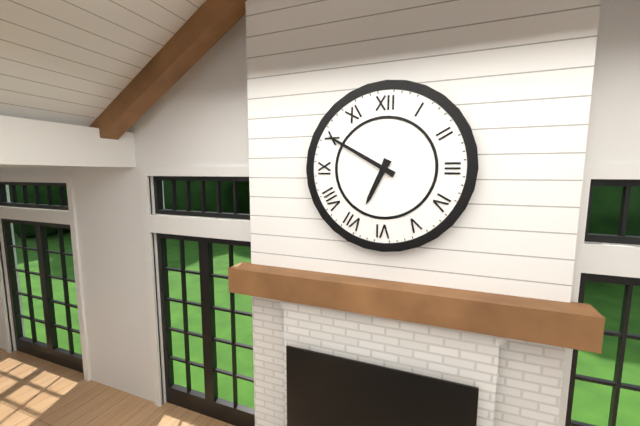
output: h=6 m=50
